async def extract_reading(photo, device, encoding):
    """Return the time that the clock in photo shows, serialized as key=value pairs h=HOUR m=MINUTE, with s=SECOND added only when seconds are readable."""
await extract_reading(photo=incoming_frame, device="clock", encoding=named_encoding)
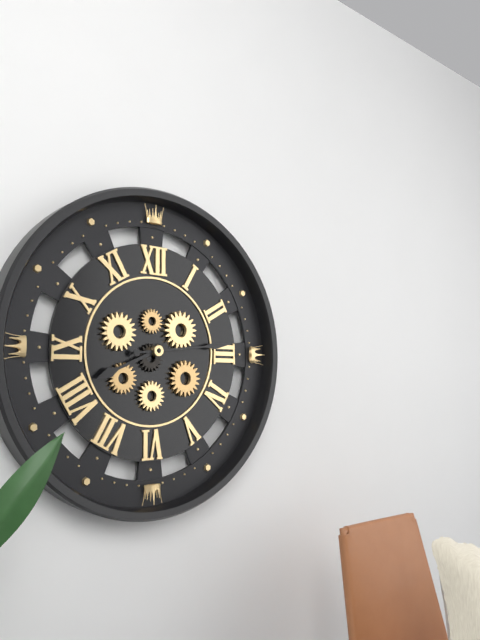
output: h=8 m=14
